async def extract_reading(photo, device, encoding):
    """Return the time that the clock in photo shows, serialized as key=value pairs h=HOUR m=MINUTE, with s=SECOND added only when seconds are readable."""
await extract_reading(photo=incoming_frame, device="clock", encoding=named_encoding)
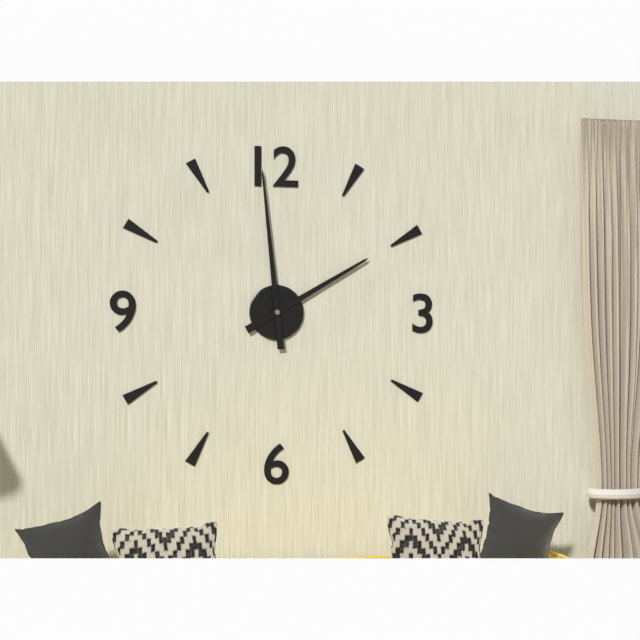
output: h=1 m=59
